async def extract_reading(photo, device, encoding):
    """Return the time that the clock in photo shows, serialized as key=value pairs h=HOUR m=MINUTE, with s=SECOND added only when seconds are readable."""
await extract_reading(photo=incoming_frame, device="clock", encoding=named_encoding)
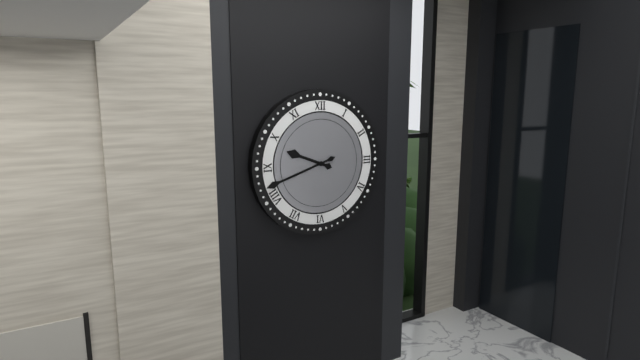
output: h=9 m=42
